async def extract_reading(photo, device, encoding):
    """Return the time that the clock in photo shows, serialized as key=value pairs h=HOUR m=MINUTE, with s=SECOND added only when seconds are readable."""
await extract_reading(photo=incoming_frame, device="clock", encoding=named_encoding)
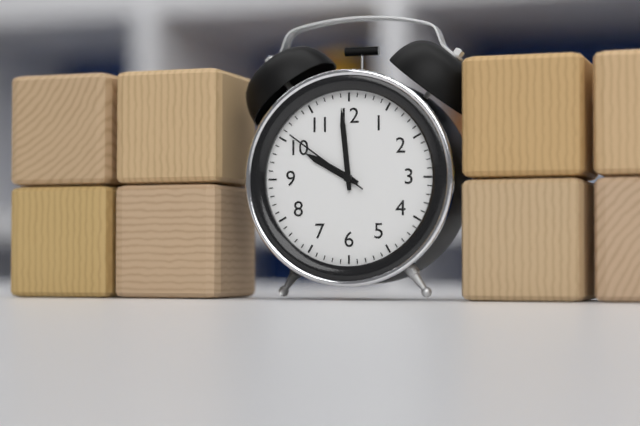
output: h=9 m=59 s=51
